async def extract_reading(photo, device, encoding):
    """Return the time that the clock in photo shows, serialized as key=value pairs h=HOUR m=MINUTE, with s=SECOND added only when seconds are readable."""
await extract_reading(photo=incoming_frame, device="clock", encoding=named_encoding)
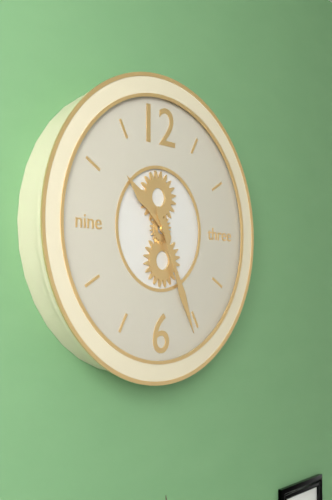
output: h=10 m=26
